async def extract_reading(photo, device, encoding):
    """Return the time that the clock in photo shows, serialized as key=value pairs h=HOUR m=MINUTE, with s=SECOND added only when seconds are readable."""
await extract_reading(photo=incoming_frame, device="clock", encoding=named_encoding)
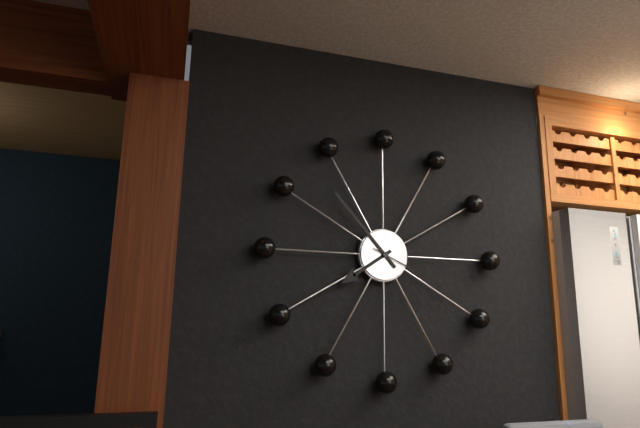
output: h=7 m=53 s=19
